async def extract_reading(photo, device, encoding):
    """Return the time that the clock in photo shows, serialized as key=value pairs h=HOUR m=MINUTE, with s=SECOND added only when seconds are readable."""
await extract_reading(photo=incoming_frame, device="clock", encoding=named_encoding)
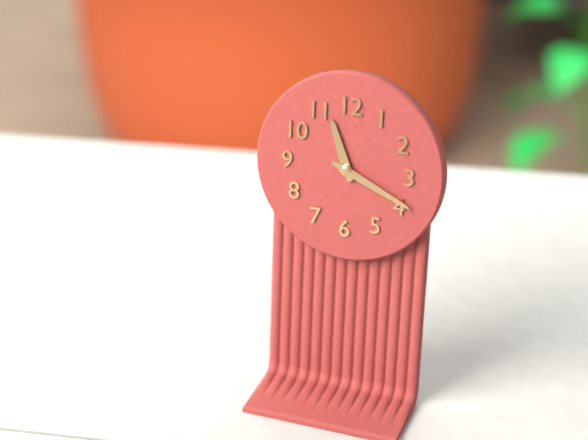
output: h=11 m=19
